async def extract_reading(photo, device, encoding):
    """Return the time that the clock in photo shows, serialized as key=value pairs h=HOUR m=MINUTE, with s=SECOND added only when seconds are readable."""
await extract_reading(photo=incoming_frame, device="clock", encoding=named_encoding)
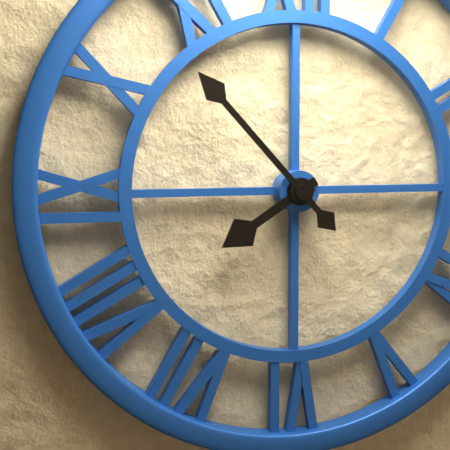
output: h=7 m=53
